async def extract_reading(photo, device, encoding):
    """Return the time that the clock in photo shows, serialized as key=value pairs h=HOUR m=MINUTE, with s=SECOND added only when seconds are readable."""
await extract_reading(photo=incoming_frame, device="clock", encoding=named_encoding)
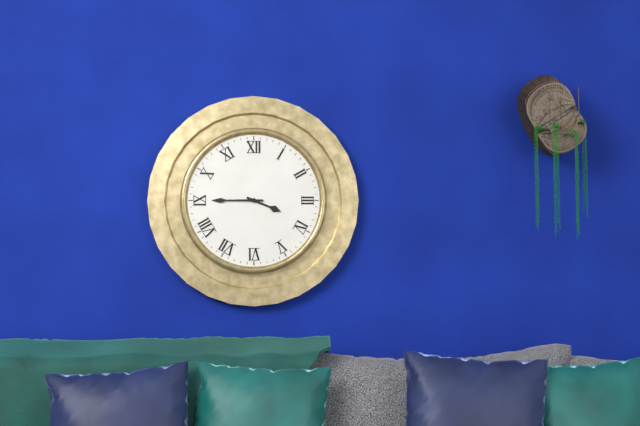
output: h=3 m=45
